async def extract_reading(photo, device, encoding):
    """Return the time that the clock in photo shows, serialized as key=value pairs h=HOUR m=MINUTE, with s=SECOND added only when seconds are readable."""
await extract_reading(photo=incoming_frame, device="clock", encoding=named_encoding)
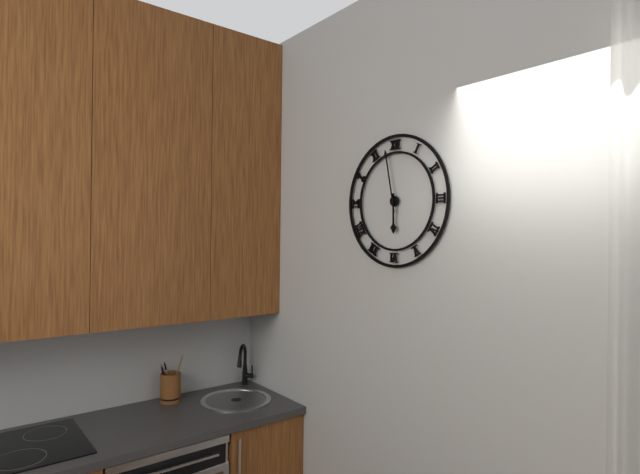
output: h=5 m=58
